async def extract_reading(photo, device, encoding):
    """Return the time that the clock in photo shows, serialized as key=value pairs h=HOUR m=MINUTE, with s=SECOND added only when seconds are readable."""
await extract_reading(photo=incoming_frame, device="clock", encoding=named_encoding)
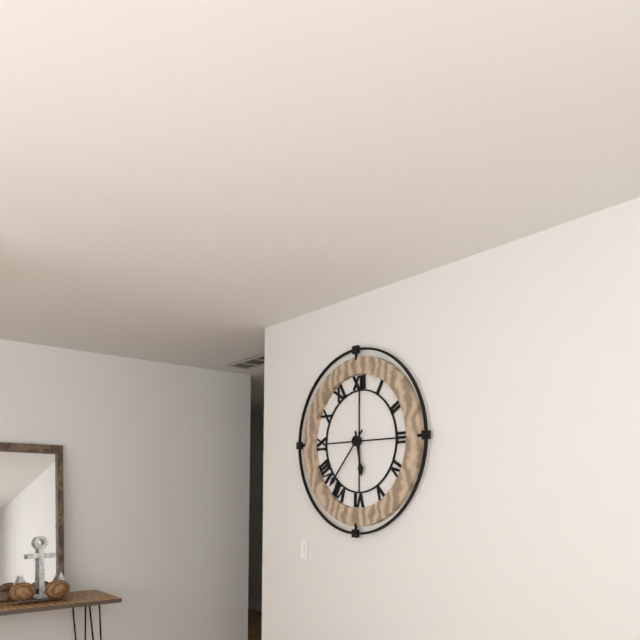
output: h=5 m=37
